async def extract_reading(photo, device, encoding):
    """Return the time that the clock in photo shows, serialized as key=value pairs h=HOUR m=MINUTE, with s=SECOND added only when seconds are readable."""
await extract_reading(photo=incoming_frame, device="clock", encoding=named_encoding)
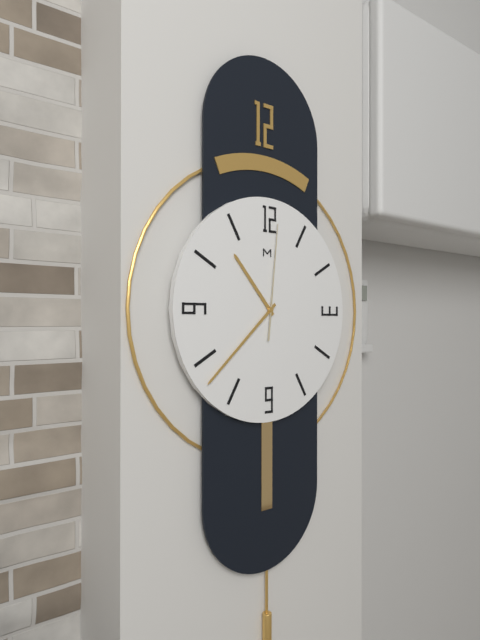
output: h=10 m=38 s=1
